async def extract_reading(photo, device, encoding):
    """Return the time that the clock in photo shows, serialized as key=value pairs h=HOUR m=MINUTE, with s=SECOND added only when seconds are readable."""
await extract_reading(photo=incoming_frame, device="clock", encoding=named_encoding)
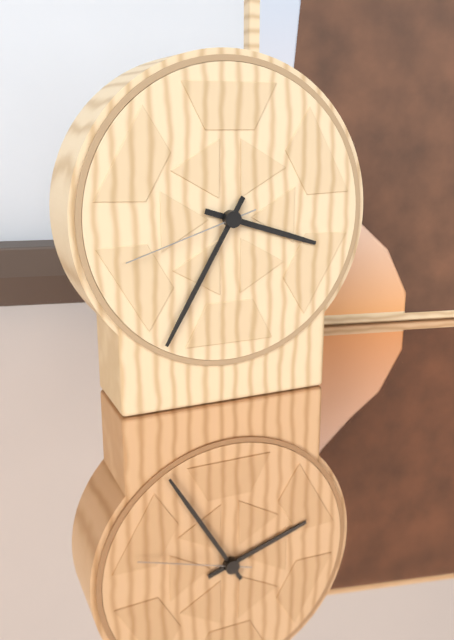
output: h=3 m=35 s=42
